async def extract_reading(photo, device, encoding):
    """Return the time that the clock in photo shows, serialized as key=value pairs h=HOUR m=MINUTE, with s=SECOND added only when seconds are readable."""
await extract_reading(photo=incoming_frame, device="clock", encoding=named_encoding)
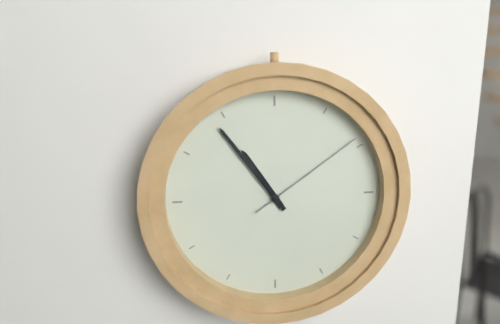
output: h=10 m=54 s=9
